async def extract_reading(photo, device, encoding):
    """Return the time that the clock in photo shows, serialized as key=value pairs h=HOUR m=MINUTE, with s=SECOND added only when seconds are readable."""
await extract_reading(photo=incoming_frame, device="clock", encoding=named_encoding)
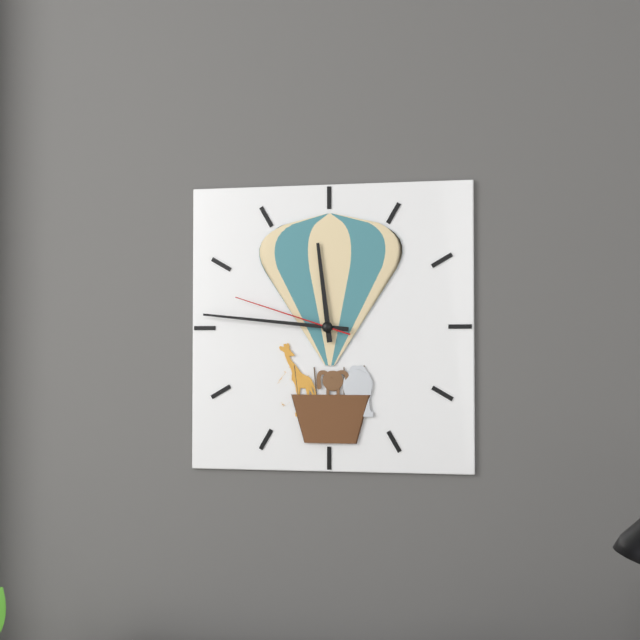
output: h=11 m=46 s=48
